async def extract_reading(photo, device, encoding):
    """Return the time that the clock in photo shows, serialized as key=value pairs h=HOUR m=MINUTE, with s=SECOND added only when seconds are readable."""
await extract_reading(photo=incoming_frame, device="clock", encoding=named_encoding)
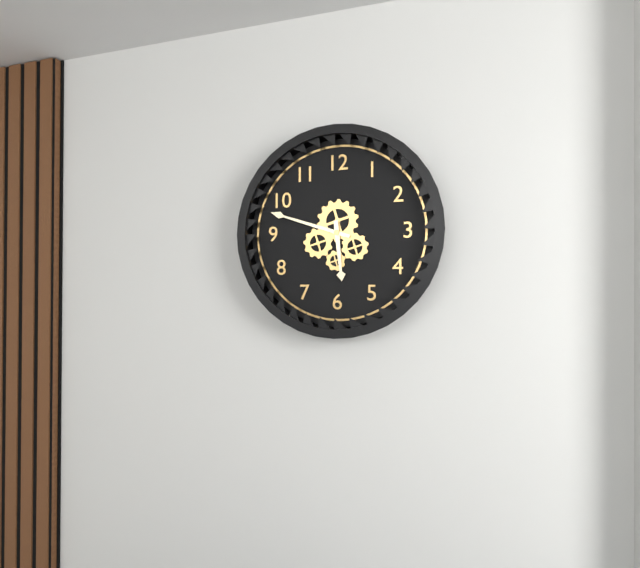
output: h=5 m=48
